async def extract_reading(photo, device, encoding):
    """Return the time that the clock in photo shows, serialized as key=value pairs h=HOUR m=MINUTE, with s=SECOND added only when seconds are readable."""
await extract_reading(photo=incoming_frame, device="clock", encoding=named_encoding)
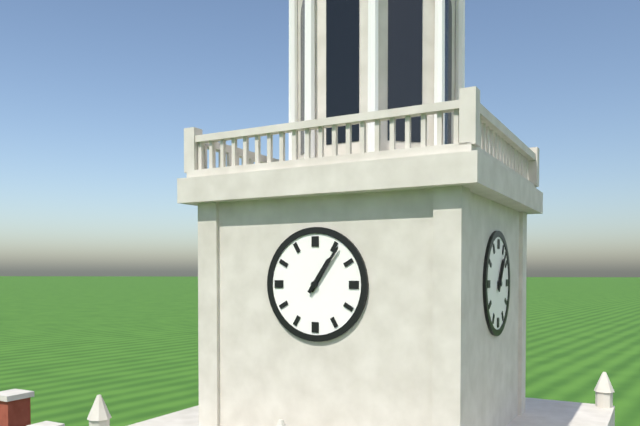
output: h=1 m=6
